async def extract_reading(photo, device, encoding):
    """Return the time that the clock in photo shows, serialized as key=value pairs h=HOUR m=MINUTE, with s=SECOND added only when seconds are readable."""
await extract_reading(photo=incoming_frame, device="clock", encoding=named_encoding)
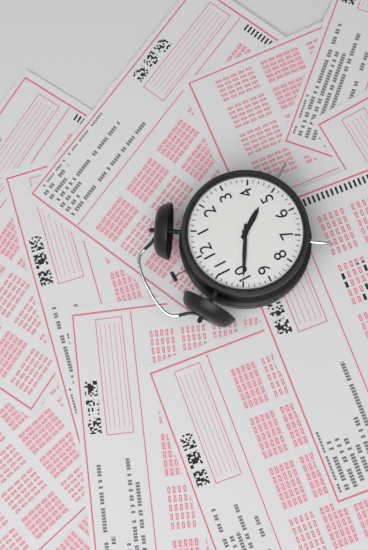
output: h=4 m=50
